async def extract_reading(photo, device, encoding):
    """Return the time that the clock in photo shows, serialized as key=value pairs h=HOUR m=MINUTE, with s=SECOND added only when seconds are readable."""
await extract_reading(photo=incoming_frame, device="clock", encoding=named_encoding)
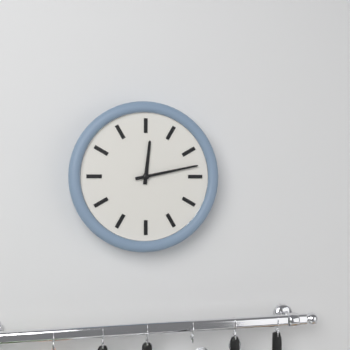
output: h=12 m=13
